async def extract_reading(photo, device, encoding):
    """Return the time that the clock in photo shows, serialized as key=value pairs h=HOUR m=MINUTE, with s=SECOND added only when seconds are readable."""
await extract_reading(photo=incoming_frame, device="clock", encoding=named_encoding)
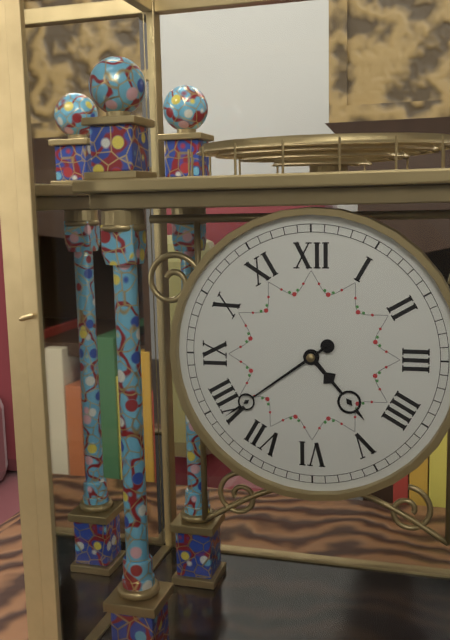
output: h=4 m=39
